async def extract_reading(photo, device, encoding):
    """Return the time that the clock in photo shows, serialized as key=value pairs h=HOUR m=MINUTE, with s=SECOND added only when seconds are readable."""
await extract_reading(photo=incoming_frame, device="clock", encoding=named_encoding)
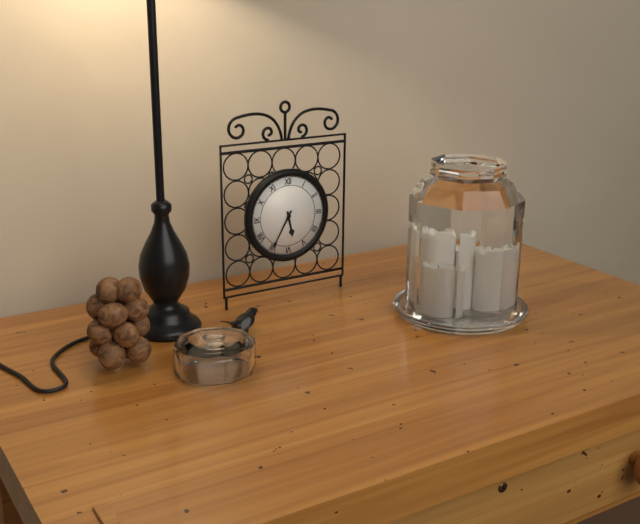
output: h=5 m=35
